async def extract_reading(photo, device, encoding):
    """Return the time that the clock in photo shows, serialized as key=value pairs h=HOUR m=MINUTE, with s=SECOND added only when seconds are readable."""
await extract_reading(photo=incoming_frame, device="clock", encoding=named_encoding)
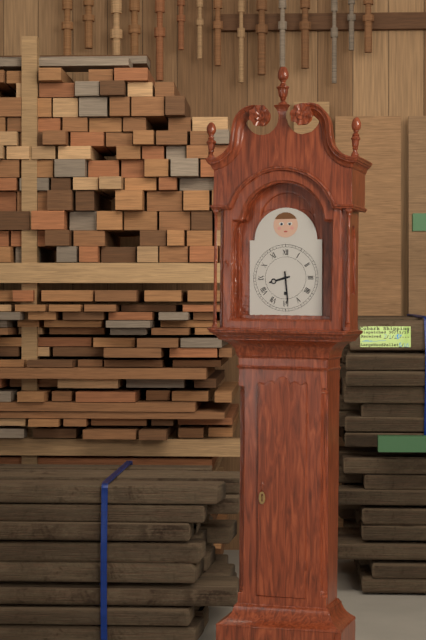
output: h=8 m=29
